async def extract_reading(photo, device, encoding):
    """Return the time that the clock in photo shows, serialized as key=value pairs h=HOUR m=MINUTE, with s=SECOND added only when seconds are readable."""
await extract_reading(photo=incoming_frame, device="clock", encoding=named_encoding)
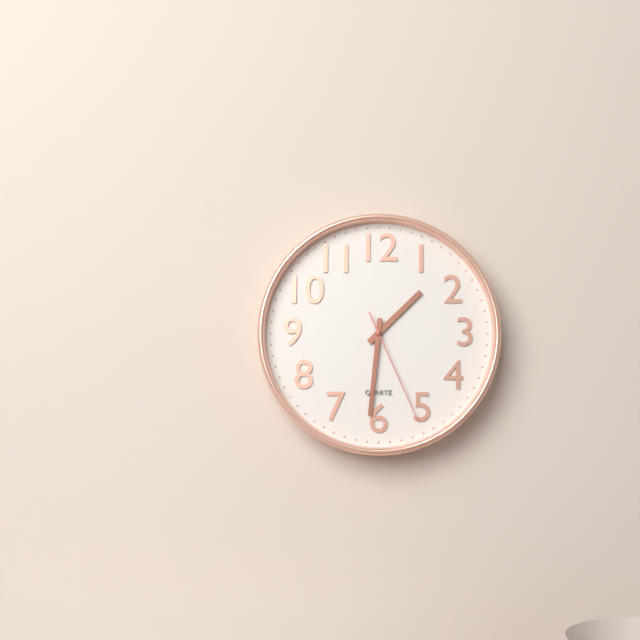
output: h=1 m=31 s=26
